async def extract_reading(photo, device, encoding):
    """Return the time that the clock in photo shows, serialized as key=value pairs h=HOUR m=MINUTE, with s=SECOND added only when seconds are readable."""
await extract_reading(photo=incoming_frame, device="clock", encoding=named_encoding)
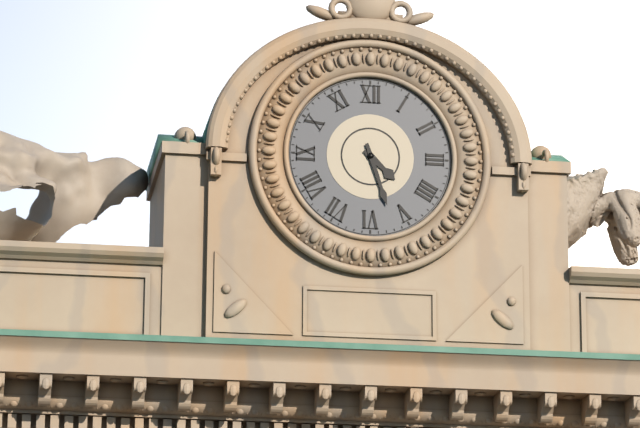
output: h=4 m=27
